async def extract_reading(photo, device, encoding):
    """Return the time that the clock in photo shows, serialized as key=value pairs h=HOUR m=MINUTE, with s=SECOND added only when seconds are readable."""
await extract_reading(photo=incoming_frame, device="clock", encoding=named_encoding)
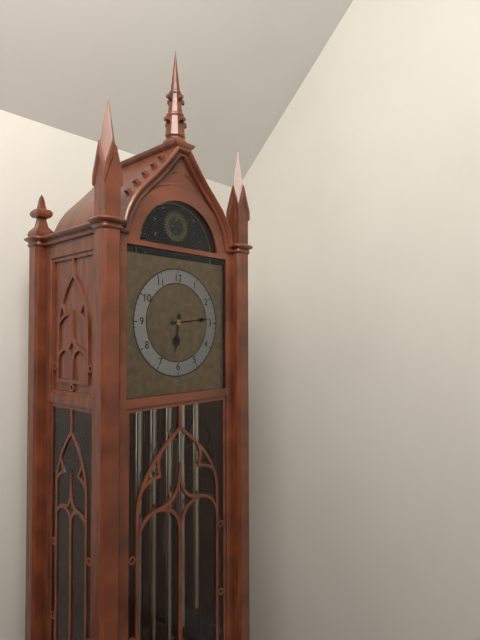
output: h=6 m=14
